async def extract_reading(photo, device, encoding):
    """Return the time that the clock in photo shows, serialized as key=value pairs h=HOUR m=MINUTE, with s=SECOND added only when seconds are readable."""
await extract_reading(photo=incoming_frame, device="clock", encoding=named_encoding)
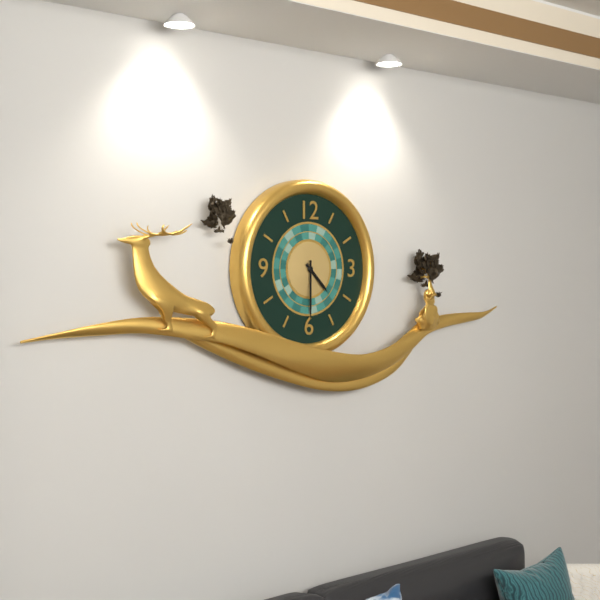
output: h=4 m=30
